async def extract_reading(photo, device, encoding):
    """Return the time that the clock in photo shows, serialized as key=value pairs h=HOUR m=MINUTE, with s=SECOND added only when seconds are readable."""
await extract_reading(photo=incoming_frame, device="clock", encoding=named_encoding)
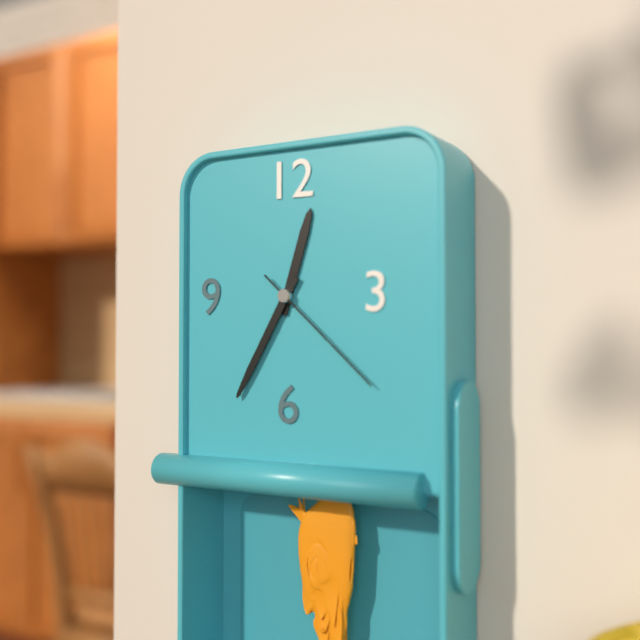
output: h=12 m=35 s=22
